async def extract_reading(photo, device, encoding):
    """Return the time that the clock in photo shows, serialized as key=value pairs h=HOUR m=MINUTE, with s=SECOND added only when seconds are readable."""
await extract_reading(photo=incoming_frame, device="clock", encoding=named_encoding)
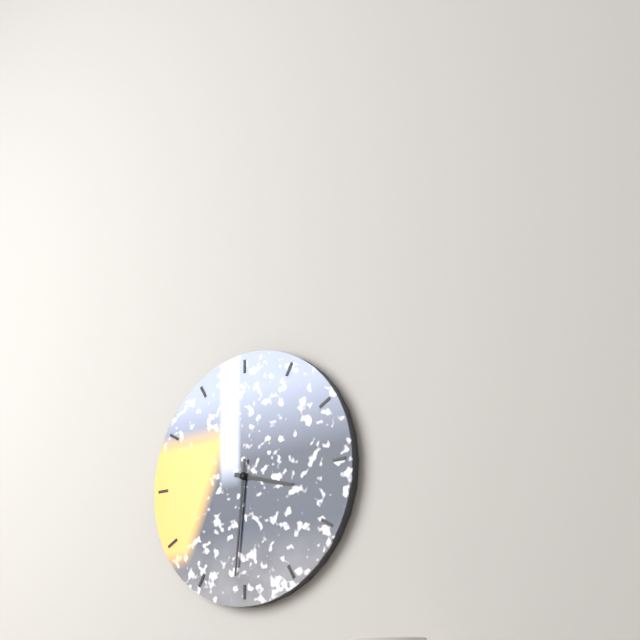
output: h=3 m=31
